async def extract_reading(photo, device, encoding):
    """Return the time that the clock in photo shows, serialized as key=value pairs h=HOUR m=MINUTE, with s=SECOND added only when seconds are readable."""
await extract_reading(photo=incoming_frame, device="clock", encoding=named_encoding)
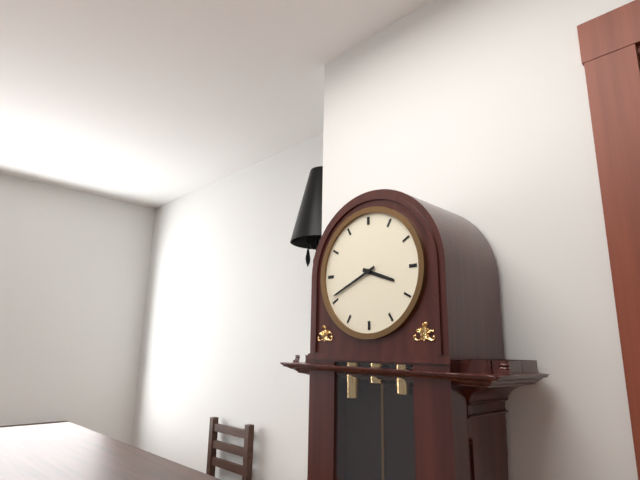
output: h=3 m=41
